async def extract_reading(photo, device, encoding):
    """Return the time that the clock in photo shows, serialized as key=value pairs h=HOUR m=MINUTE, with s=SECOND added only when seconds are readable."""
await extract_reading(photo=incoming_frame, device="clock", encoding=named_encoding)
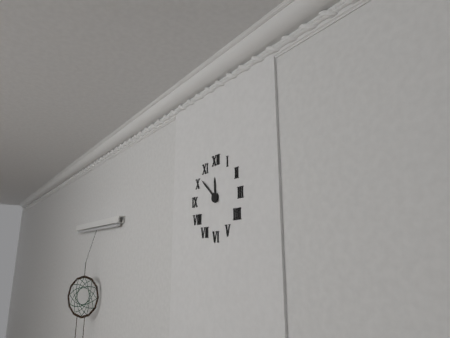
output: h=11 m=52
